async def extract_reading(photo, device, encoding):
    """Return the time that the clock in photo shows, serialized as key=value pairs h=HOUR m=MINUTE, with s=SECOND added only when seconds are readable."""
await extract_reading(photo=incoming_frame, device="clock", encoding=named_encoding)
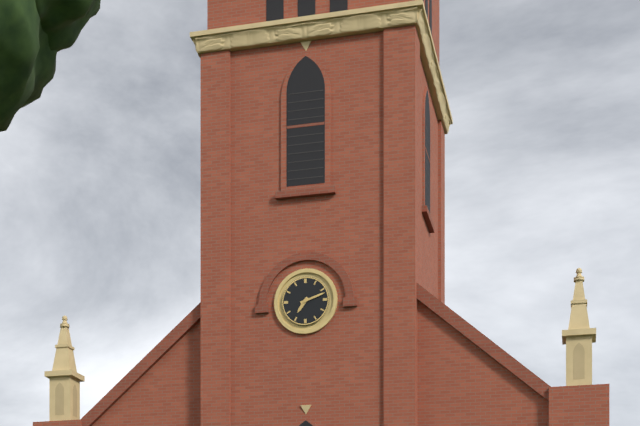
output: h=7 m=12
